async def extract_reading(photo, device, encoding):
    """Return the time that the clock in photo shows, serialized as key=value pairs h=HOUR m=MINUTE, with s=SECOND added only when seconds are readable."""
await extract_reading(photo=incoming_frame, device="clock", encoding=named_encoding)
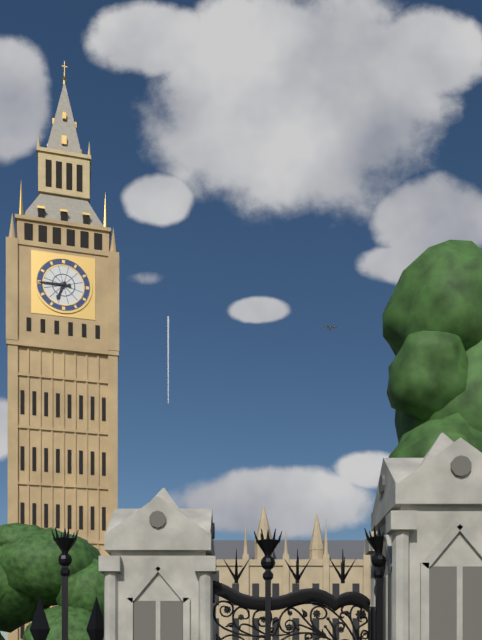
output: h=6 m=45
